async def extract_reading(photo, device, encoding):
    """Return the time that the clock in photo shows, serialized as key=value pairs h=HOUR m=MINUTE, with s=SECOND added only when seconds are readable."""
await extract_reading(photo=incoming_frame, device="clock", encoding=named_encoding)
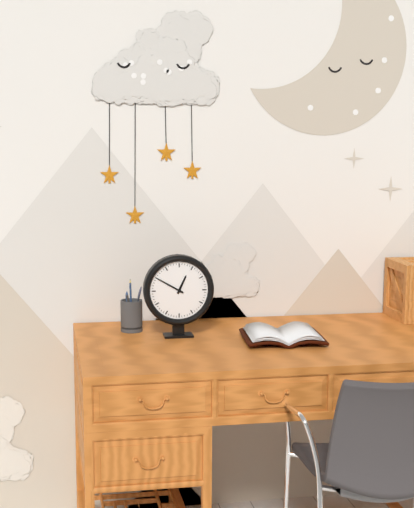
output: h=12 m=50
